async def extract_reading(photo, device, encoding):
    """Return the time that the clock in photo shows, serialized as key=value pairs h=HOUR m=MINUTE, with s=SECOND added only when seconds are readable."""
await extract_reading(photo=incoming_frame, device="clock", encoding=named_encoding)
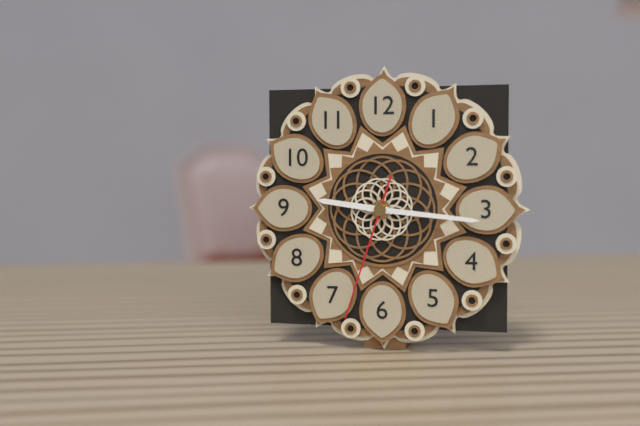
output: h=9 m=16 s=33
